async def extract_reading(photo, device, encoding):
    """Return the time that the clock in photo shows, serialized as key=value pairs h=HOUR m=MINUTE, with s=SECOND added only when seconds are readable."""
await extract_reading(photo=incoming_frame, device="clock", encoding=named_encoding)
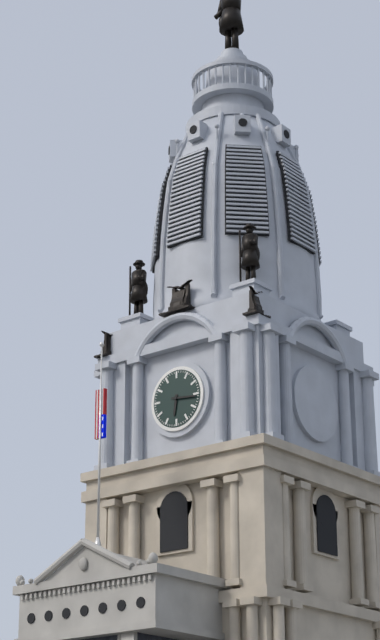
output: h=6 m=16
